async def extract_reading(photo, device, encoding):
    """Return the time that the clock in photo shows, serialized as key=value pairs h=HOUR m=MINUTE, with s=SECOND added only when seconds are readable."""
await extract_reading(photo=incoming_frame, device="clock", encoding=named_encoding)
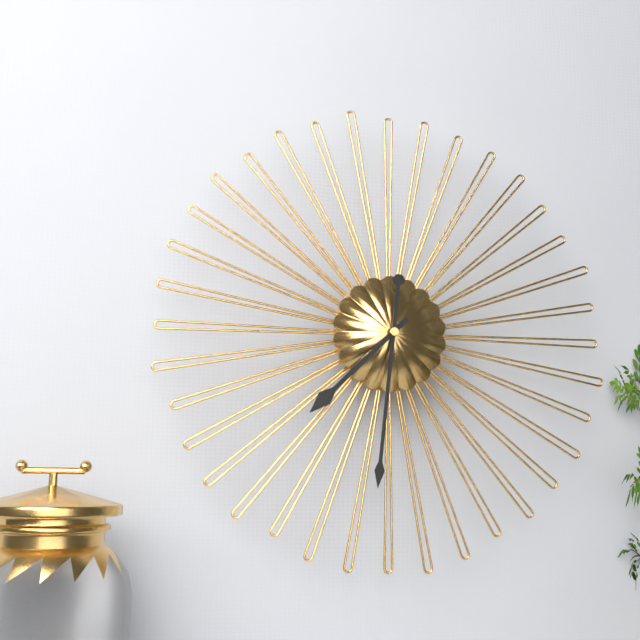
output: h=7 m=31
